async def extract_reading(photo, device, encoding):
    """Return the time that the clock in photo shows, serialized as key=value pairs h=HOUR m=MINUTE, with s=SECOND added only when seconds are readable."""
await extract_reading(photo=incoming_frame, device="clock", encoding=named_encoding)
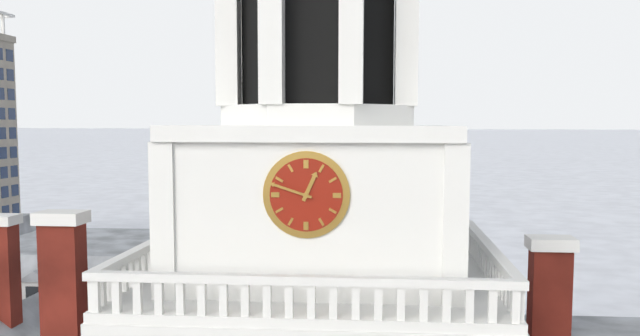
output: h=12 m=48
